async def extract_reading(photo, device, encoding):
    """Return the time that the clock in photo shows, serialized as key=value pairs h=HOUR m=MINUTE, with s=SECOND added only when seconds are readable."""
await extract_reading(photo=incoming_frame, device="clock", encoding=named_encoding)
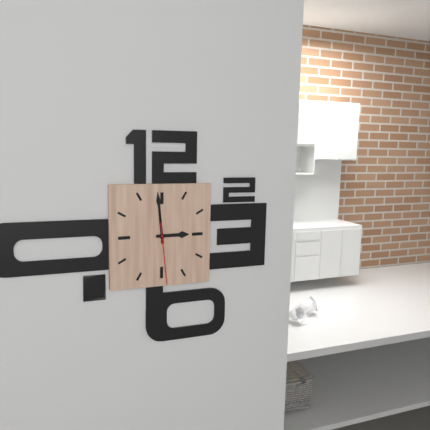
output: h=2 m=59 s=29
